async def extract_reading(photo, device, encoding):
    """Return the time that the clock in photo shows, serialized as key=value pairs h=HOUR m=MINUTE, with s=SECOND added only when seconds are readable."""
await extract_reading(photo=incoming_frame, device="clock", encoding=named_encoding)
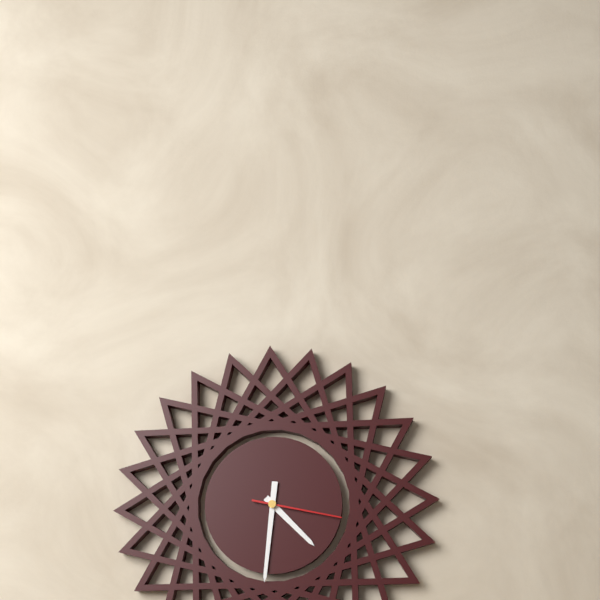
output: h=4 m=31 s=17
